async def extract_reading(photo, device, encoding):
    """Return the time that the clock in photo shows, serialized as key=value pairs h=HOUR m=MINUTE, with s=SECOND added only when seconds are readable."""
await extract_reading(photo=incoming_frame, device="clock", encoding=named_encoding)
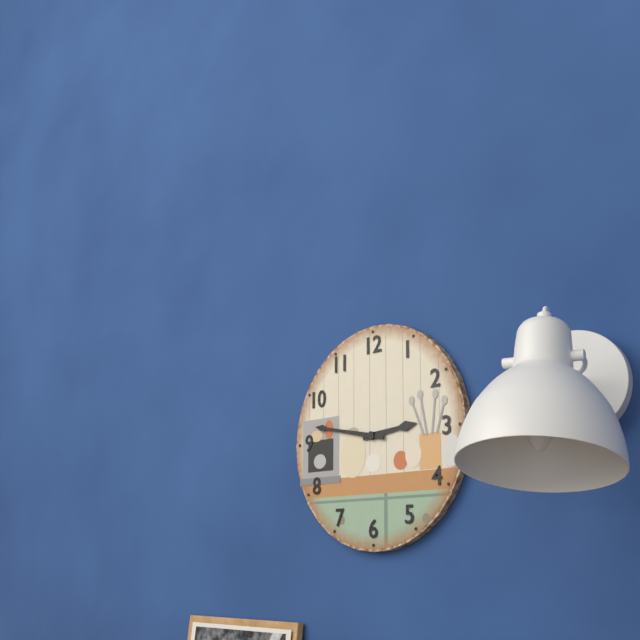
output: h=2 m=47
